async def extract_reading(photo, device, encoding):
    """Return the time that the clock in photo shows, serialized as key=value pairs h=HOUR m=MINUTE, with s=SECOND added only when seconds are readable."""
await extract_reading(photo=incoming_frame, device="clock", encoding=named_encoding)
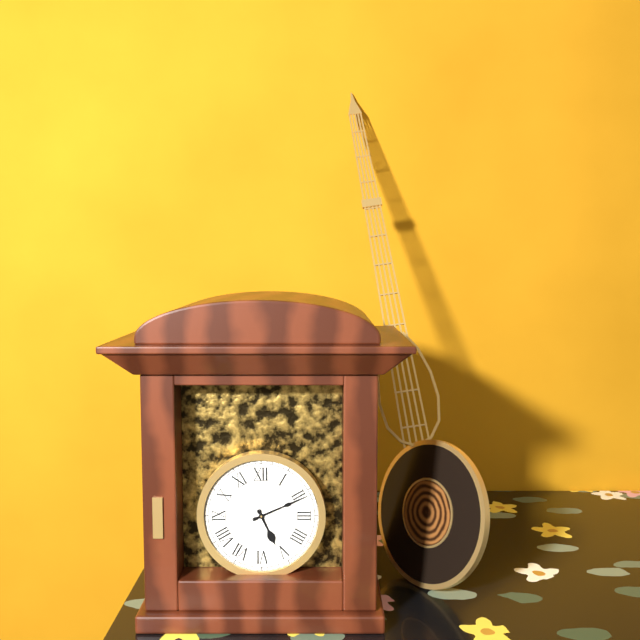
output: h=5 m=11
